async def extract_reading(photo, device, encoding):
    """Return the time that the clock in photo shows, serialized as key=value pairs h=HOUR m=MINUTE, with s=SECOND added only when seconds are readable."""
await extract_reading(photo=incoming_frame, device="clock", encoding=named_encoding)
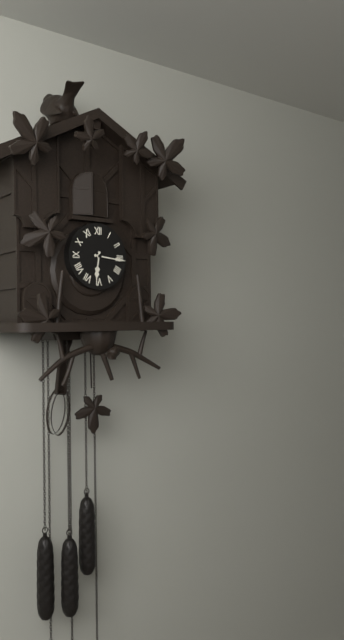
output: h=6 m=16
